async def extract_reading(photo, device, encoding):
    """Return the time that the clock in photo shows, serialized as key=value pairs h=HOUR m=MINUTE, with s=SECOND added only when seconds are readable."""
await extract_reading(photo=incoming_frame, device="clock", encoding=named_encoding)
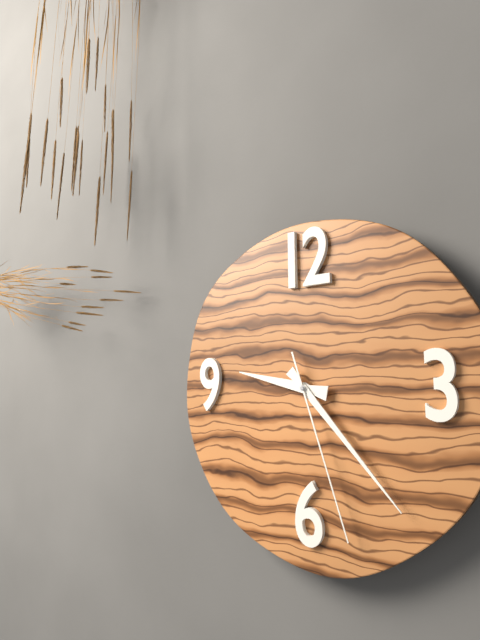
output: h=9 m=23 s=27
